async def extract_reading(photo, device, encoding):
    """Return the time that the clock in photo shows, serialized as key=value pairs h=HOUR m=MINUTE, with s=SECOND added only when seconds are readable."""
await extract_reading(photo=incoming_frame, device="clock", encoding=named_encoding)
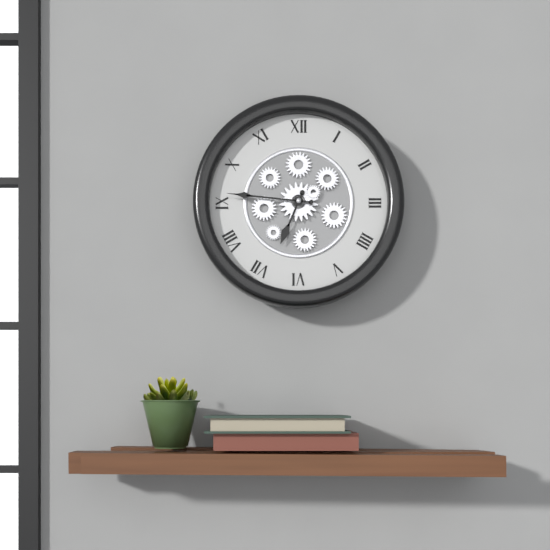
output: h=6 m=46
